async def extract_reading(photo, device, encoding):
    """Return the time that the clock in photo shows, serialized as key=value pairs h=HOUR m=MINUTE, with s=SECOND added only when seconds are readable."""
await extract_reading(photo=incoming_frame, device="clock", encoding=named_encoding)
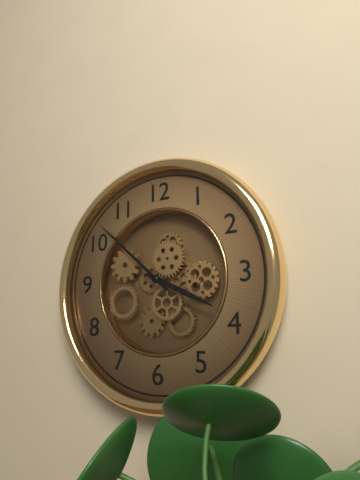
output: h=3 m=52
